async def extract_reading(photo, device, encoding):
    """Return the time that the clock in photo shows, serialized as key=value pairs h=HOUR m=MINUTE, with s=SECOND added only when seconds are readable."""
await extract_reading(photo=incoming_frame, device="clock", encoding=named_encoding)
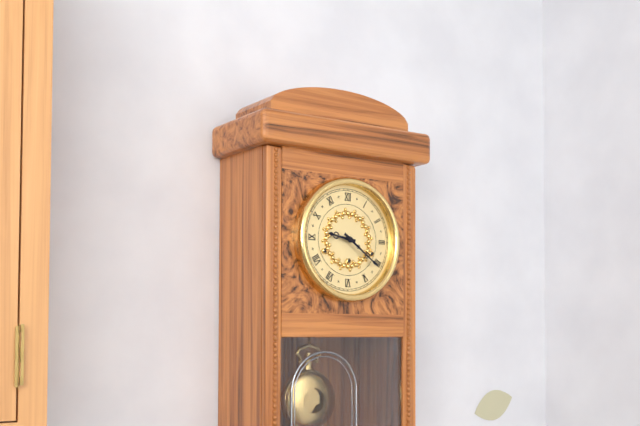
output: h=9 m=21
